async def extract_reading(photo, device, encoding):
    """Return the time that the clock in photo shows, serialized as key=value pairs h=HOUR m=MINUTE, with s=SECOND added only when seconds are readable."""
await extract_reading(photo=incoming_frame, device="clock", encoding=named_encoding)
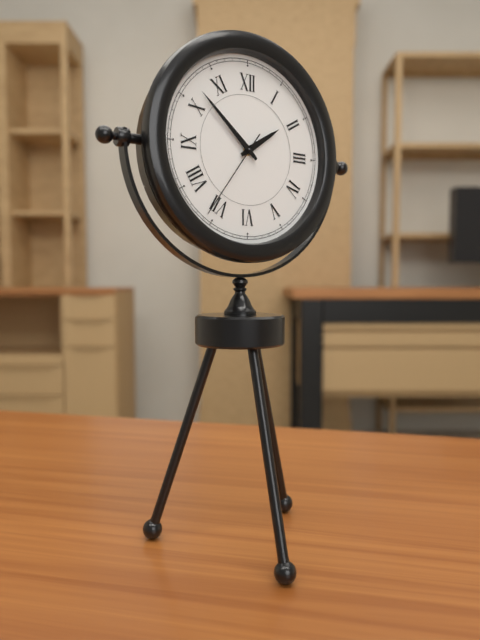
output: h=1 m=52 s=36
